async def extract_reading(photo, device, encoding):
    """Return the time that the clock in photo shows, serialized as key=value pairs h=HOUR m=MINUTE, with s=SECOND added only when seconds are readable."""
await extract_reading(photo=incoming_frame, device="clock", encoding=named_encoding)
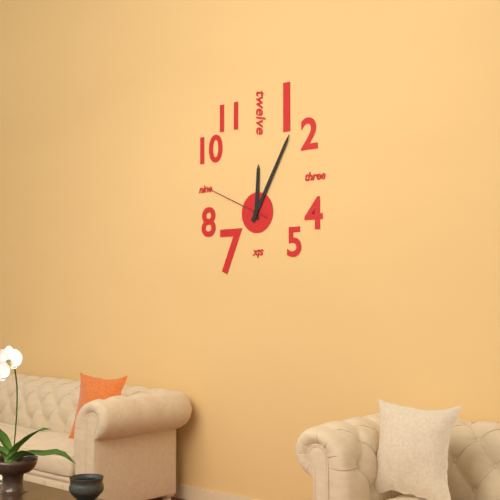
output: h=12 m=5 s=49
